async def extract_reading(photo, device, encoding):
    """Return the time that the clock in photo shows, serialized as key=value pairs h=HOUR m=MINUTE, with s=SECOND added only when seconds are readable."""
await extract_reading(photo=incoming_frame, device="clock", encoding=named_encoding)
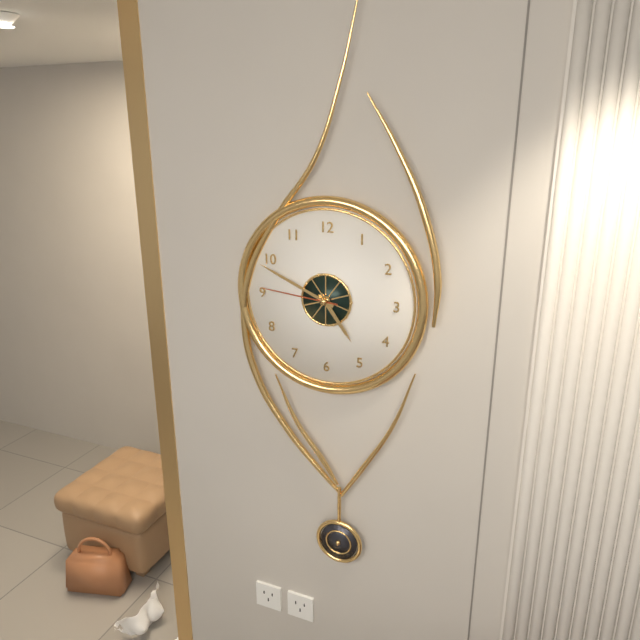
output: h=4 m=49 s=46
